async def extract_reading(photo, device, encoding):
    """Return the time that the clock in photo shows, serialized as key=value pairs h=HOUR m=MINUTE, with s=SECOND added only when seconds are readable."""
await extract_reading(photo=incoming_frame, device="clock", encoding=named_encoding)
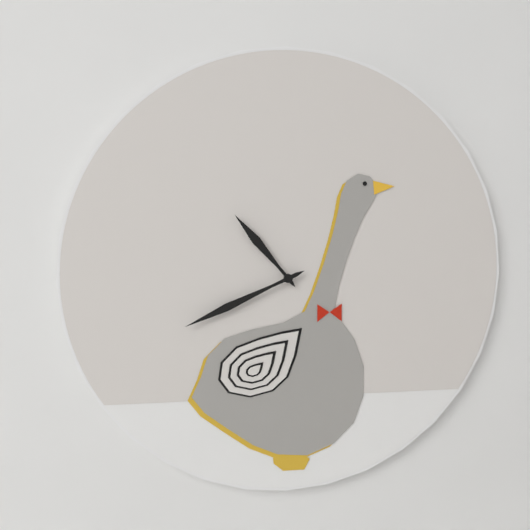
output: h=10 m=41
